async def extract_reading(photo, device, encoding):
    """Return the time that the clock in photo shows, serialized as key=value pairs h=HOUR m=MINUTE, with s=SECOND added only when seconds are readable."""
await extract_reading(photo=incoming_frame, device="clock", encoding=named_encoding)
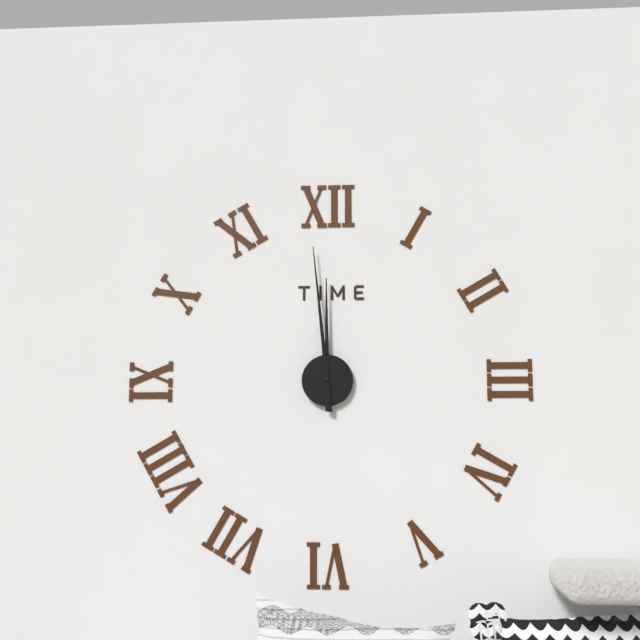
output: h=11 m=59
